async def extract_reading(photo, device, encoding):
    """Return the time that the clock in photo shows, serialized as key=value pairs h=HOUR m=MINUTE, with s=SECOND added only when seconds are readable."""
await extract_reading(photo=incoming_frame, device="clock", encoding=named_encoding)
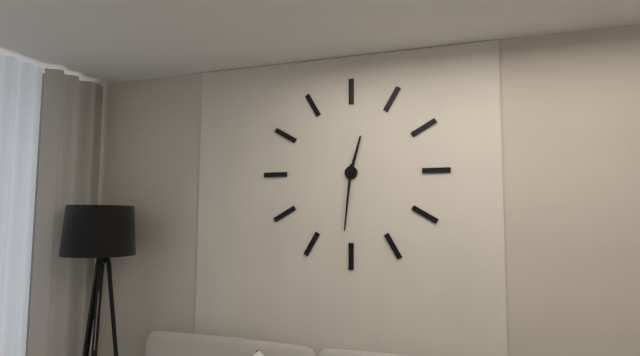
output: h=12 m=31
